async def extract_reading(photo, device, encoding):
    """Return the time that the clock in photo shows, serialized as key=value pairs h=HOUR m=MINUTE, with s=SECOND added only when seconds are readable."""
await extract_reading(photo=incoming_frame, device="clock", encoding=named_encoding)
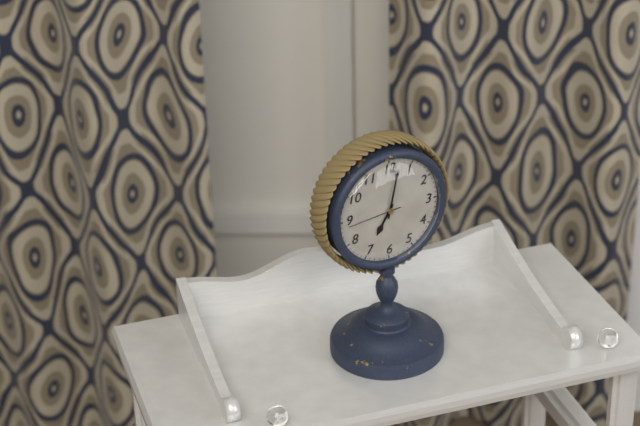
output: h=7 m=2 s=44
